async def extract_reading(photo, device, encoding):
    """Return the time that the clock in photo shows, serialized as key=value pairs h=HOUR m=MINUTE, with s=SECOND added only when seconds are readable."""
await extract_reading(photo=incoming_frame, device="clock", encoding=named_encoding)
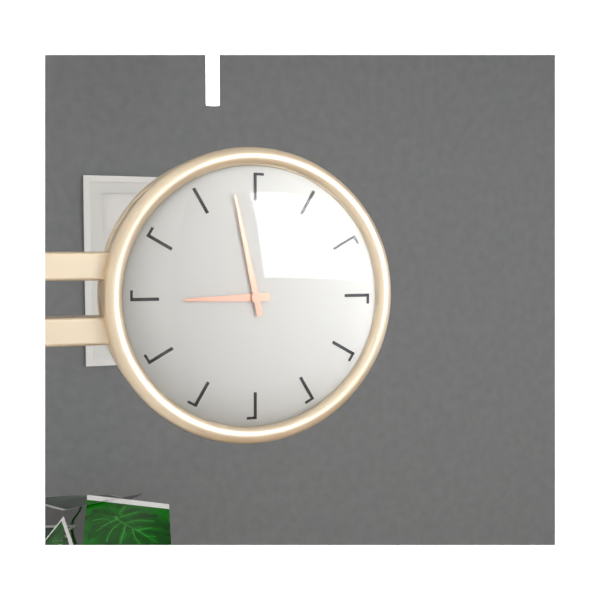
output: h=8 m=58
